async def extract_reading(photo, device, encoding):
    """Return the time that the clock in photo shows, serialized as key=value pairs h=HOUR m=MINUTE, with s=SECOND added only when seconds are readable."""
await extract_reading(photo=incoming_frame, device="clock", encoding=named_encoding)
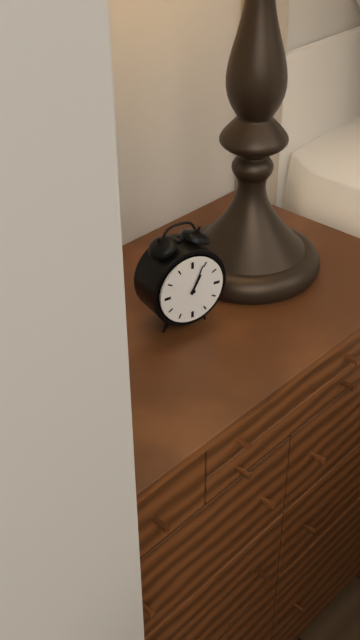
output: h=1 m=4
